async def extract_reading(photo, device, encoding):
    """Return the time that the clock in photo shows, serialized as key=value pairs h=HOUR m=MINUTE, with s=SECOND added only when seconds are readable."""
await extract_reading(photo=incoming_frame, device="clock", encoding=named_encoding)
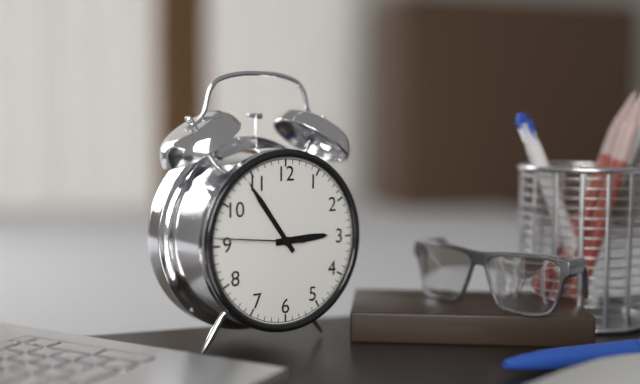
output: h=2 m=54 s=46
